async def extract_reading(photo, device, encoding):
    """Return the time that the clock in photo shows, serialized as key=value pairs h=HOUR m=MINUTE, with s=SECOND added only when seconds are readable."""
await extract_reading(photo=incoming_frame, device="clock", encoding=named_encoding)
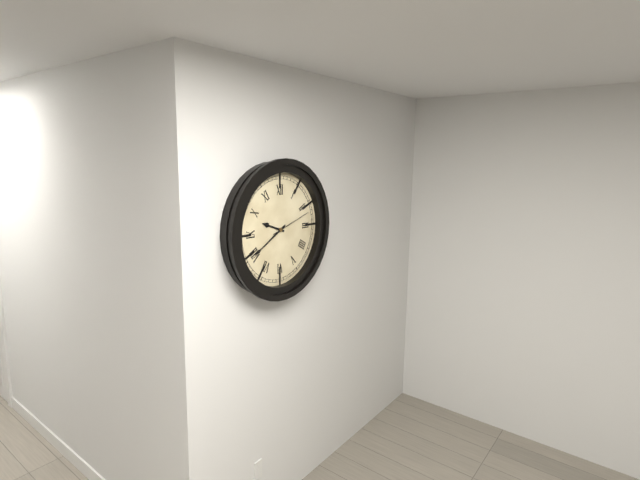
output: h=9 m=40
